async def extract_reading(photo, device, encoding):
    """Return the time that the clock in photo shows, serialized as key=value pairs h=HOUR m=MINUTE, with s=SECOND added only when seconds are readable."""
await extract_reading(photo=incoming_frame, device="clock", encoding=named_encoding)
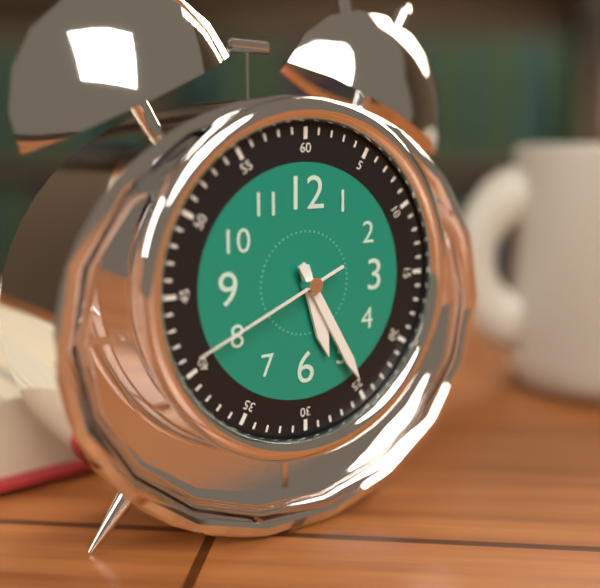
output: h=5 m=25 s=41
